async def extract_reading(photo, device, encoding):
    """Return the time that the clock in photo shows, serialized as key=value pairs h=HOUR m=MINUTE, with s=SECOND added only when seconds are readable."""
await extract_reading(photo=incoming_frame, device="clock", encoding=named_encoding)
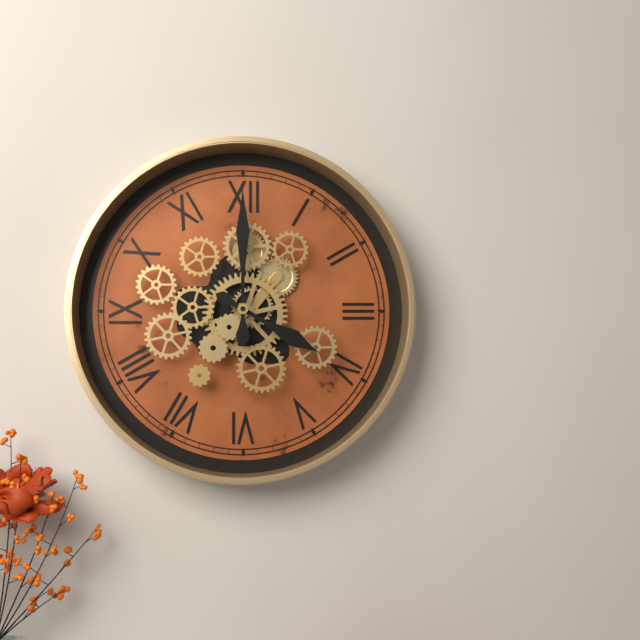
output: h=4 m=0
